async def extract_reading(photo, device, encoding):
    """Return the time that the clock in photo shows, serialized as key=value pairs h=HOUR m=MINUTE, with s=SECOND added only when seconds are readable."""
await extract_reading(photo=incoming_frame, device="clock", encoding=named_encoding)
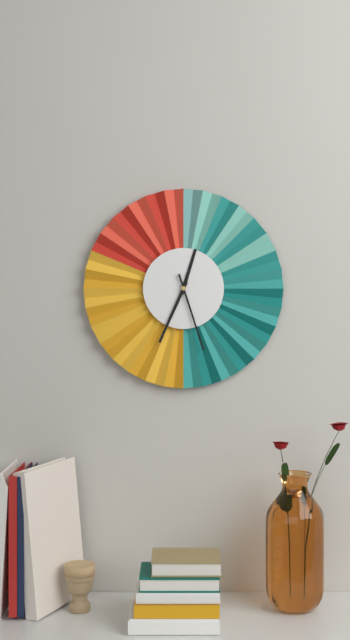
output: h=12 m=34 s=27
